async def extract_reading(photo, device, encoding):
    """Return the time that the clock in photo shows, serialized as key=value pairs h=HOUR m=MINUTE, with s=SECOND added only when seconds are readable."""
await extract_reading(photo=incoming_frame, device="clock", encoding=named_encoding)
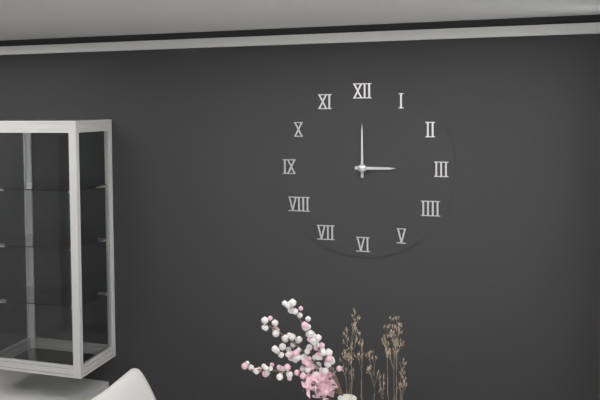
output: h=3 m=0
